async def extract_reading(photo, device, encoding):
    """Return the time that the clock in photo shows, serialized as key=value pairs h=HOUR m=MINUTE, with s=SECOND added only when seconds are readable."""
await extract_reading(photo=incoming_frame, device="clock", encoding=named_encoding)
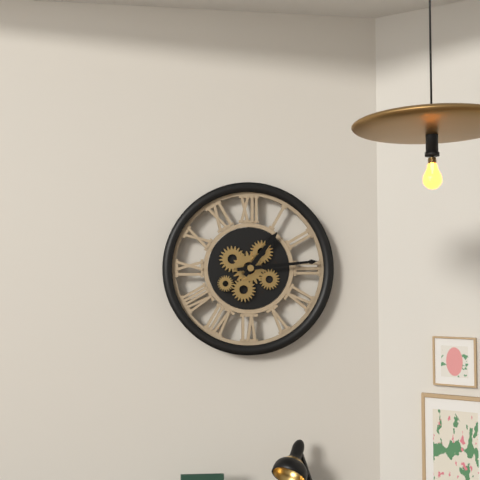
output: h=1 m=14
